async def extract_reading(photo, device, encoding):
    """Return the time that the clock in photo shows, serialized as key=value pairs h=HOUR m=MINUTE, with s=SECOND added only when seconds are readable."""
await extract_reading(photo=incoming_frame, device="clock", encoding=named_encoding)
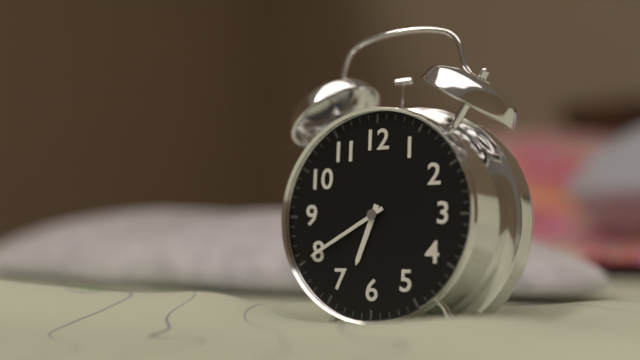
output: h=6 m=40
